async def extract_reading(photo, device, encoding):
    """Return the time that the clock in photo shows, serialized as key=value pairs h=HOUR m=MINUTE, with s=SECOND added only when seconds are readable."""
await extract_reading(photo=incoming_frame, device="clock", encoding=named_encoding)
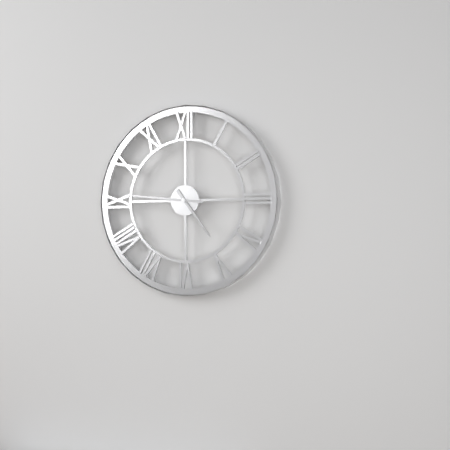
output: h=4 m=46
